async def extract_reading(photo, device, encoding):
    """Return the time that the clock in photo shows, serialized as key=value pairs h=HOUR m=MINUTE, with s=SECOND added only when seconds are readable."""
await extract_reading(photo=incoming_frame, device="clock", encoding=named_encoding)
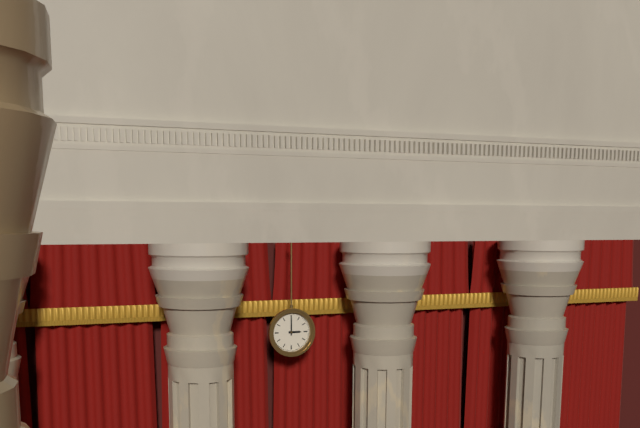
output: h=3 m=0
